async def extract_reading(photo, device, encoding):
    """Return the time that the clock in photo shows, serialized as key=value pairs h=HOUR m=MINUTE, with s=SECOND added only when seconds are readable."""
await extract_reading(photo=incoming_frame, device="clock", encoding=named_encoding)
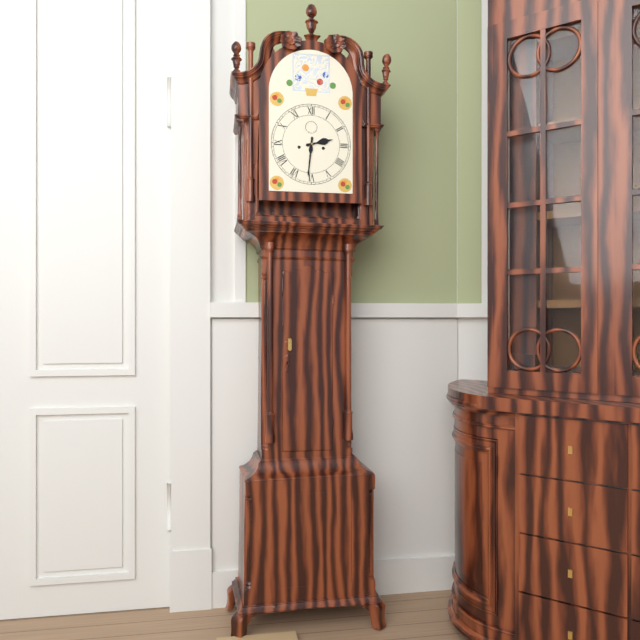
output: h=2 m=31
